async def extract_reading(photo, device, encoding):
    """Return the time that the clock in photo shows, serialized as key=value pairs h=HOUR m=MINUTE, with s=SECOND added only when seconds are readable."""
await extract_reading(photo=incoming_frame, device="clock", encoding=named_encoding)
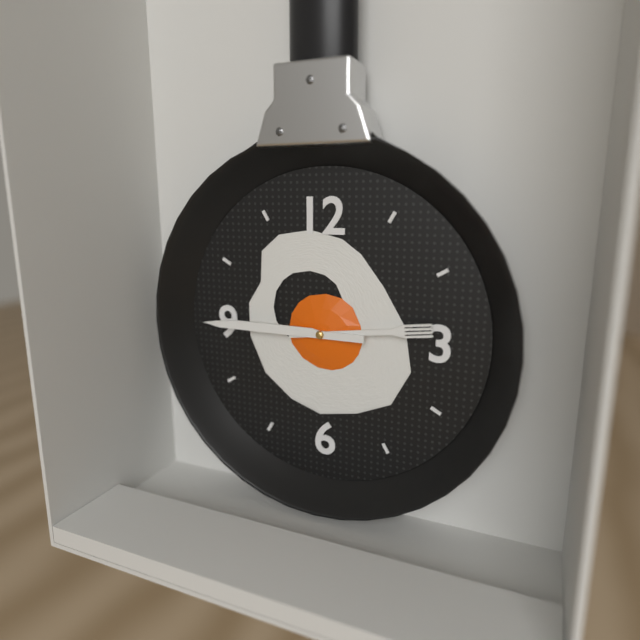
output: h=2 m=45
